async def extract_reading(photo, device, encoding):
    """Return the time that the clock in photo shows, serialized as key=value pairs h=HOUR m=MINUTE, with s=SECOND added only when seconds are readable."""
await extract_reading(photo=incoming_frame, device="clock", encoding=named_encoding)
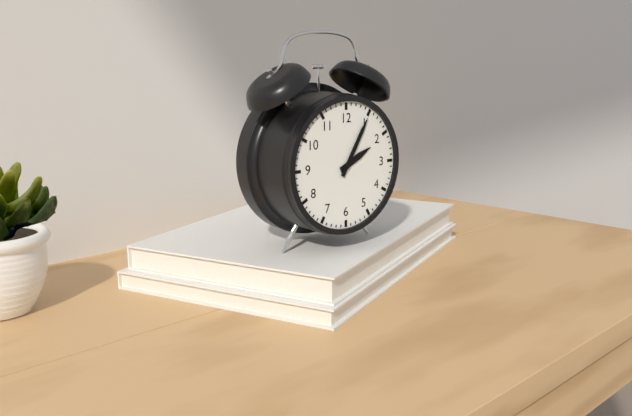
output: h=2 m=5
